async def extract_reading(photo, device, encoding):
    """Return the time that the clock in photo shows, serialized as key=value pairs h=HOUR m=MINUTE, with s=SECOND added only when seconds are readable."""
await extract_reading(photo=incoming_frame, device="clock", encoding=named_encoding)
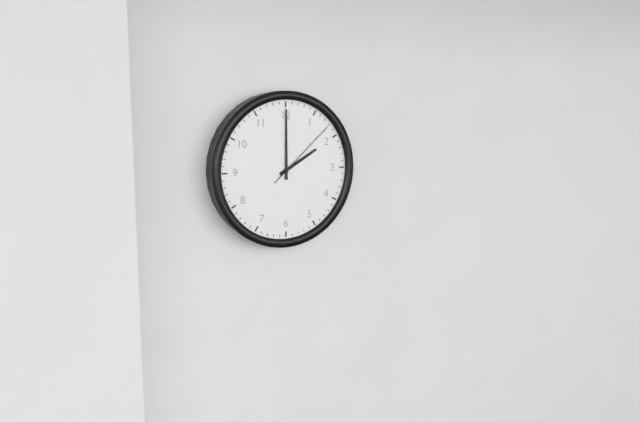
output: h=2 m=0 s=8
